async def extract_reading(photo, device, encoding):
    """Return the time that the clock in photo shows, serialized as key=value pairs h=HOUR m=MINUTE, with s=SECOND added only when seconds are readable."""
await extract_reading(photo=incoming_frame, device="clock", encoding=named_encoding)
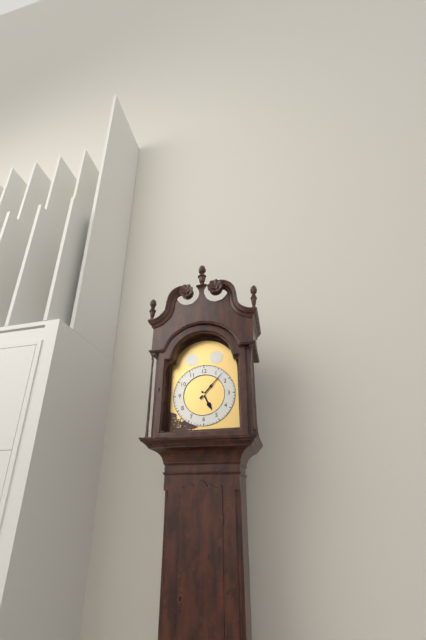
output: h=5 m=7
